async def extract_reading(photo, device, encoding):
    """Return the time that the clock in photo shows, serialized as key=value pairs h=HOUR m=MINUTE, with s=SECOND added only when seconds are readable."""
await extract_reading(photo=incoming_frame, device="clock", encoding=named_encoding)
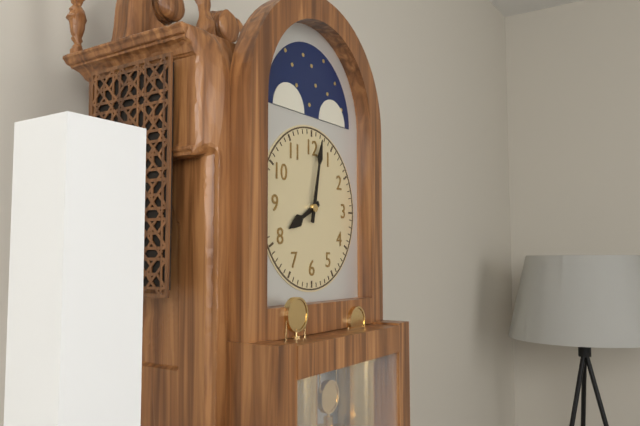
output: h=8 m=2
